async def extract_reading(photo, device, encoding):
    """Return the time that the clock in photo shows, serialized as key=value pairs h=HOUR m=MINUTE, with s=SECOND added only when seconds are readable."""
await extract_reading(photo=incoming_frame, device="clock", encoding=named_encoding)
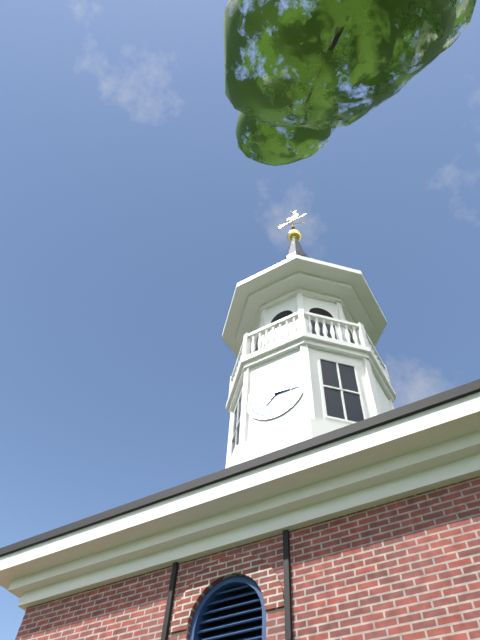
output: h=7 m=16
